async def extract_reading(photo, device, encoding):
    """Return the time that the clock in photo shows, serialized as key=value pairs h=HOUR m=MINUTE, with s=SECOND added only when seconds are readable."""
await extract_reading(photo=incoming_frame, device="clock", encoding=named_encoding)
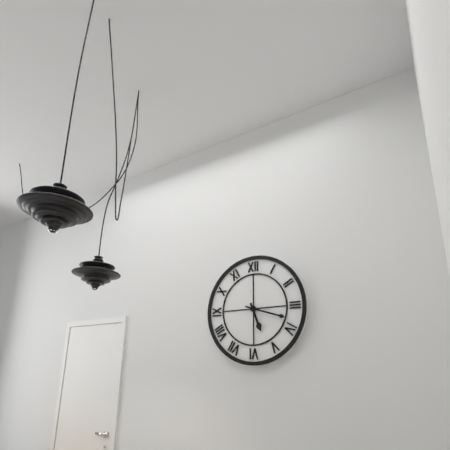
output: h=5 m=18
